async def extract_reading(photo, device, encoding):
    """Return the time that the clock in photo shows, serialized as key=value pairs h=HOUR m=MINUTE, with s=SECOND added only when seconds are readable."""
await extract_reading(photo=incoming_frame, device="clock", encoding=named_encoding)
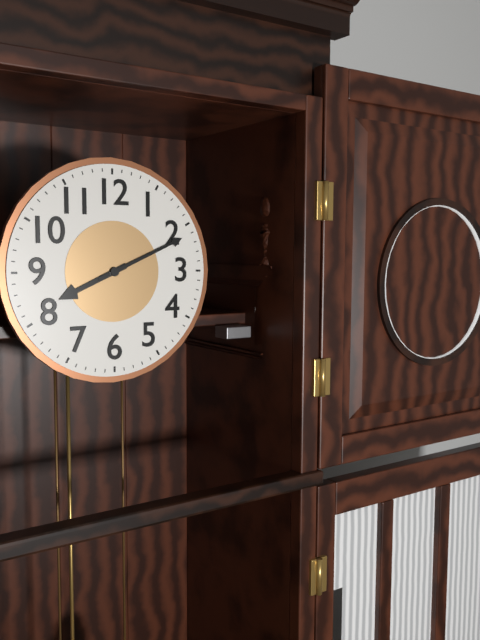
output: h=8 m=11
